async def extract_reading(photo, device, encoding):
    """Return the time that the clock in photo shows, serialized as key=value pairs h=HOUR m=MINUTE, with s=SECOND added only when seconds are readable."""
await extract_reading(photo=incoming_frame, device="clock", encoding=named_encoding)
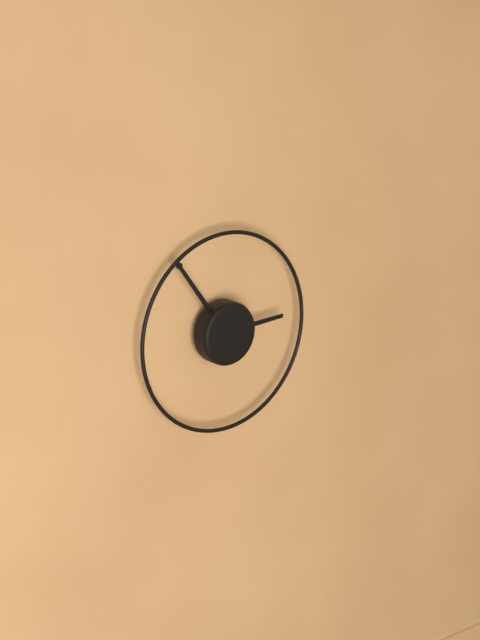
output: h=2 m=54
